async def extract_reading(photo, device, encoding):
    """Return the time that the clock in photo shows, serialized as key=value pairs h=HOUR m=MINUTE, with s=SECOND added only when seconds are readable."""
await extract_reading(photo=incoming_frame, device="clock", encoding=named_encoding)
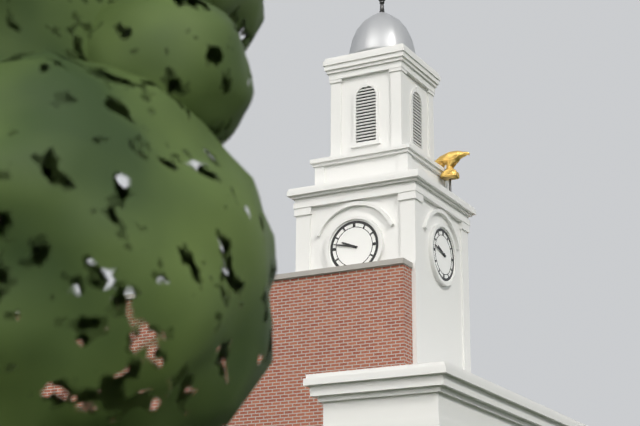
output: h=9 m=47
